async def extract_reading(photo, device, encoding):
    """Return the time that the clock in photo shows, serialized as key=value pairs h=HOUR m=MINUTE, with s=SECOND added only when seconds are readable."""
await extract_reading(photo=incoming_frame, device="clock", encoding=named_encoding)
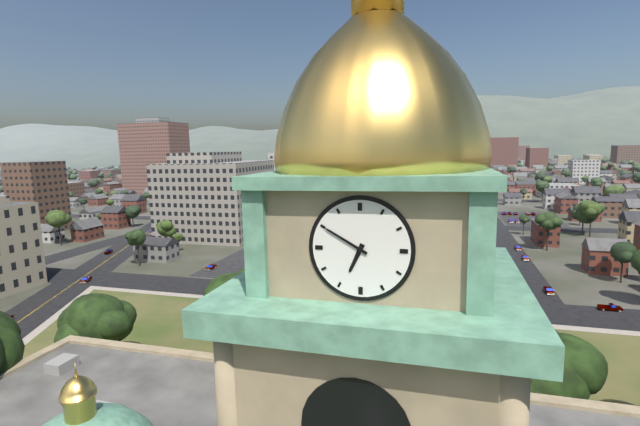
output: h=6 m=50
